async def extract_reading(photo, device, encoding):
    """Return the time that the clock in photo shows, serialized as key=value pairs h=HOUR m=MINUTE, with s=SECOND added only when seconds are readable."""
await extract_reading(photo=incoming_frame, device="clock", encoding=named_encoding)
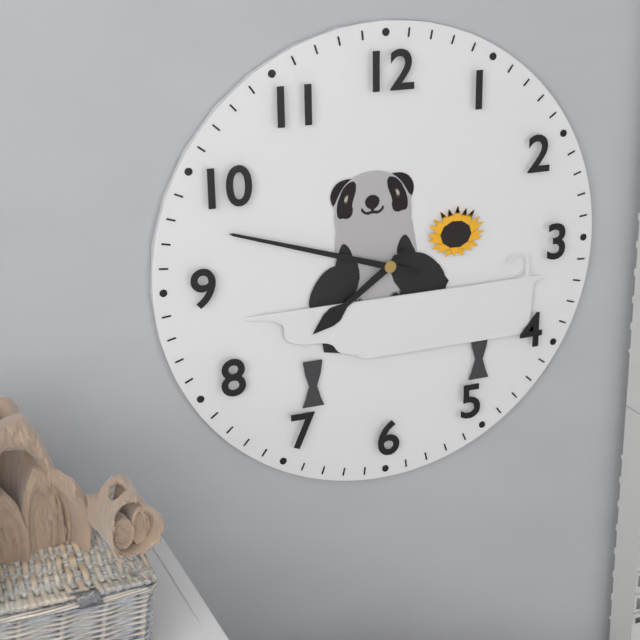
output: h=7 m=48
